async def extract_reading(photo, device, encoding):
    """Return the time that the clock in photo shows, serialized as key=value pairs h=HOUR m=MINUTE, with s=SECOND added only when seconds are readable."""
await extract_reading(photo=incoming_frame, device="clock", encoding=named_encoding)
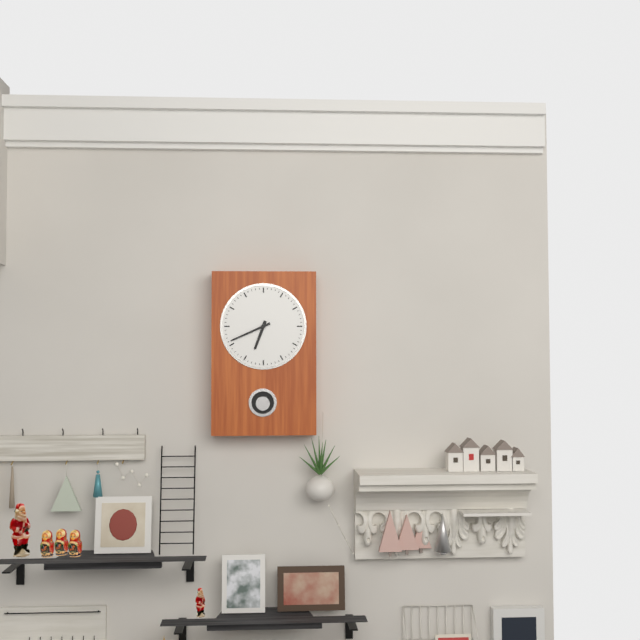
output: h=6 m=41
